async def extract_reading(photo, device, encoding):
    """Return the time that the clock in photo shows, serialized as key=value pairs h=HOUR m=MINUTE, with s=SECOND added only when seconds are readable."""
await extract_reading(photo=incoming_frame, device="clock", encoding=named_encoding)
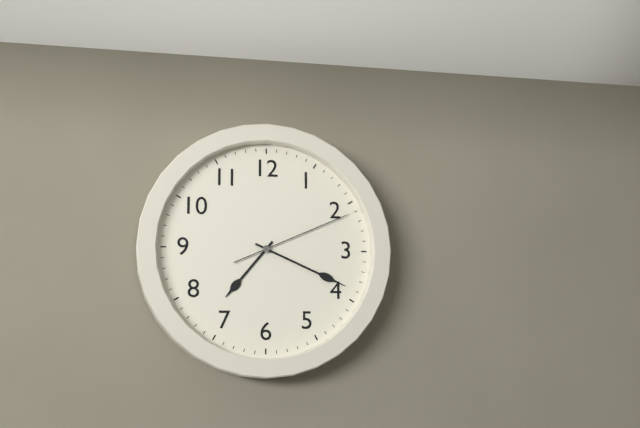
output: h=7 m=19 s=11
